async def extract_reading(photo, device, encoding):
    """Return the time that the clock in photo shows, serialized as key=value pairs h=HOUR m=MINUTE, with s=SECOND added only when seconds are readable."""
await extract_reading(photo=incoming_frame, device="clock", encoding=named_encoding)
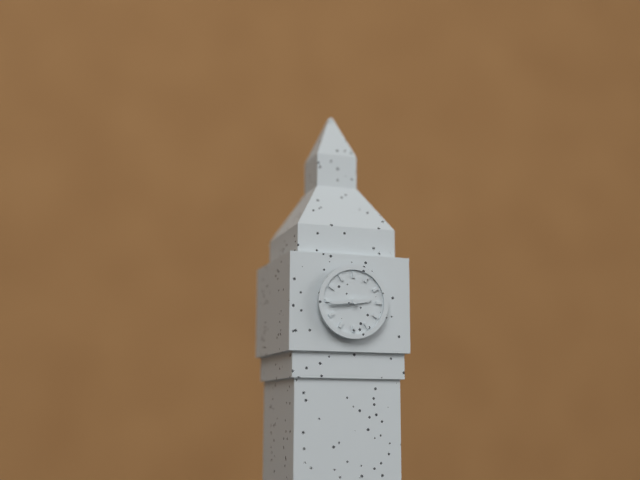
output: h=2 m=44
